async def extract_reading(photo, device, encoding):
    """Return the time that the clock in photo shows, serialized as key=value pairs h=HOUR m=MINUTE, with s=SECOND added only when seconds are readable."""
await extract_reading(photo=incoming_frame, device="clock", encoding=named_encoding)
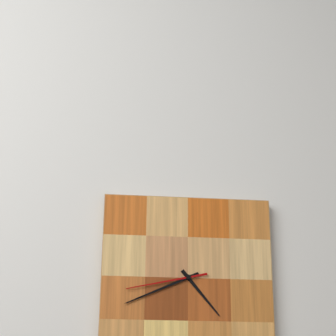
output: h=4 m=41 s=43
